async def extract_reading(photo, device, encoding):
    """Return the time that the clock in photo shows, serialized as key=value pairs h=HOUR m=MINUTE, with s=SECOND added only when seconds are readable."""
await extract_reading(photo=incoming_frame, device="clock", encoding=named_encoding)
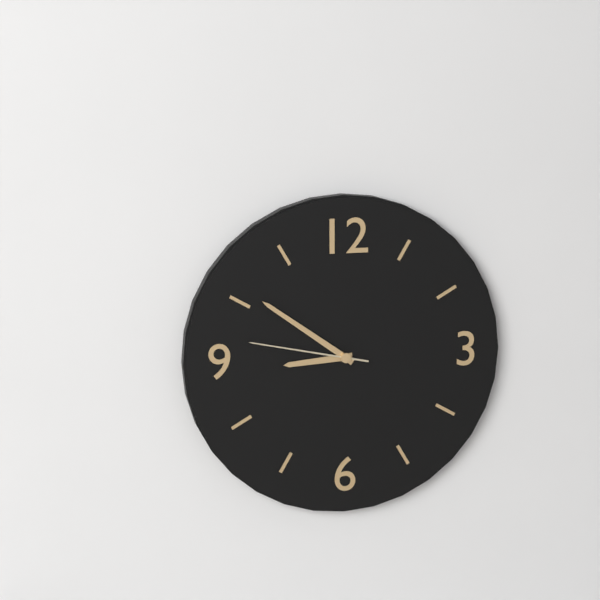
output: h=8 m=51 s=47
